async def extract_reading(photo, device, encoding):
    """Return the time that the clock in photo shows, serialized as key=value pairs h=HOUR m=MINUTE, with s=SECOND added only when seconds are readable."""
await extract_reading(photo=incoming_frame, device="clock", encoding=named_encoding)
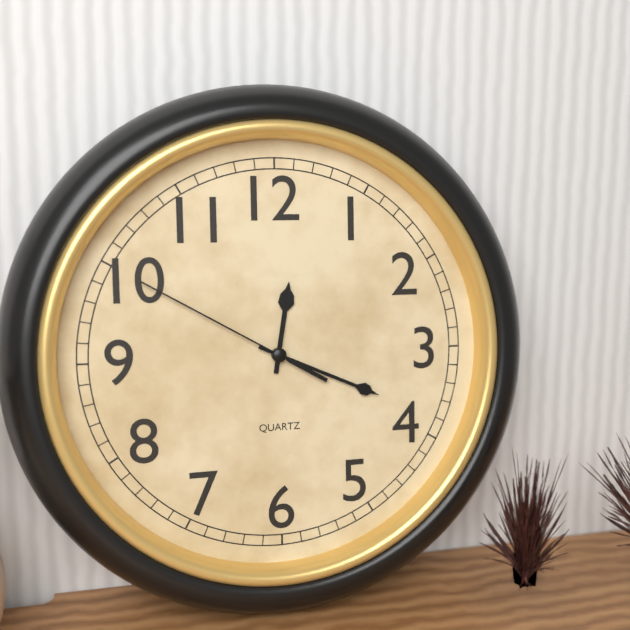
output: h=12 m=19 s=50
